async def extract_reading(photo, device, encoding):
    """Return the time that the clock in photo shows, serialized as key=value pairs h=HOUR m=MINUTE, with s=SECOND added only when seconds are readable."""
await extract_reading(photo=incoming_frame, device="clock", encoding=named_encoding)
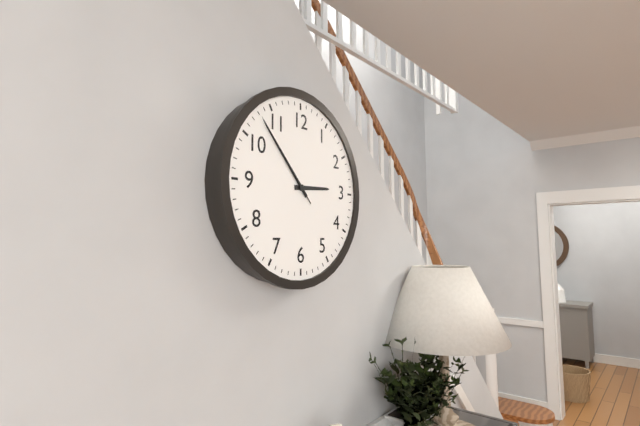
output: h=2 m=53 s=53
